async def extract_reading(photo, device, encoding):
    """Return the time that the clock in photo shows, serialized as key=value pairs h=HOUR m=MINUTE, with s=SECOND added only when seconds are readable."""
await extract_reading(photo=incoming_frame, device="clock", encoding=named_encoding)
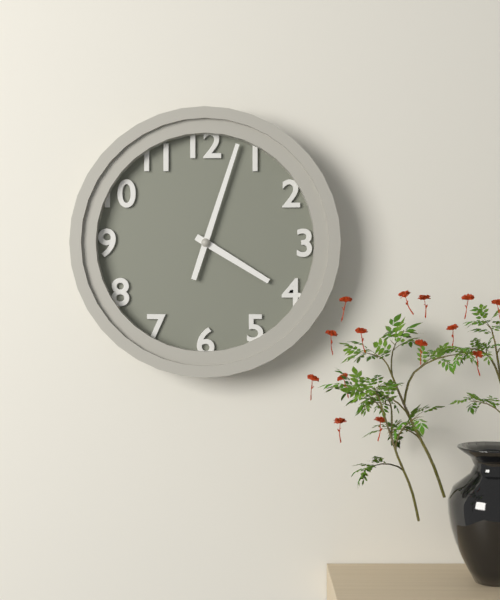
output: h=4 m=3
